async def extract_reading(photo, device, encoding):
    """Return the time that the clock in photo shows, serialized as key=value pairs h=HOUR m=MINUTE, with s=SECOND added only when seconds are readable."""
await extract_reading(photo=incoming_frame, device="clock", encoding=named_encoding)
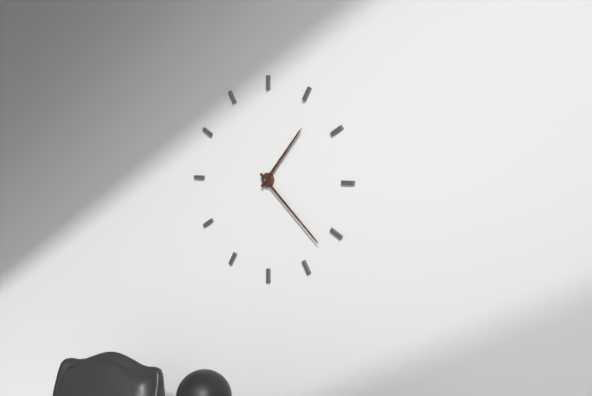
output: h=1 m=22
